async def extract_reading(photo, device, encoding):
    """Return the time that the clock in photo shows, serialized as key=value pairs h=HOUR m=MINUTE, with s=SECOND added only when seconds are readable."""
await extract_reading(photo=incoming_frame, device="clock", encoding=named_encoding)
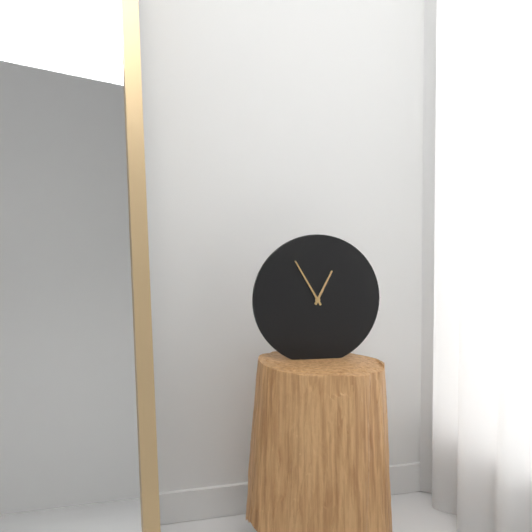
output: h=12 m=55
